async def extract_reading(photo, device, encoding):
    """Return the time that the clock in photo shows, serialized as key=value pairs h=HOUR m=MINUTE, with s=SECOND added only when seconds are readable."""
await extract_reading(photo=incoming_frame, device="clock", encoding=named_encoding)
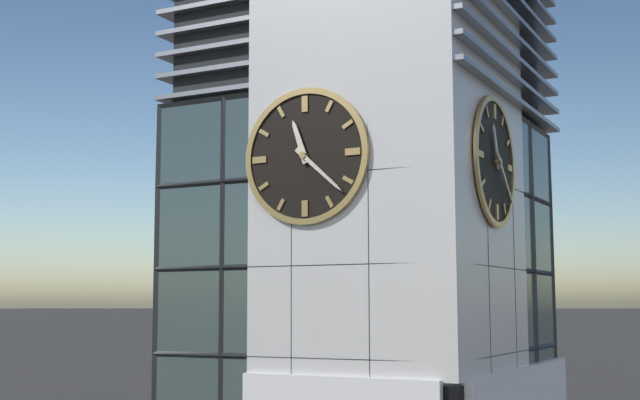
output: h=11 m=22
